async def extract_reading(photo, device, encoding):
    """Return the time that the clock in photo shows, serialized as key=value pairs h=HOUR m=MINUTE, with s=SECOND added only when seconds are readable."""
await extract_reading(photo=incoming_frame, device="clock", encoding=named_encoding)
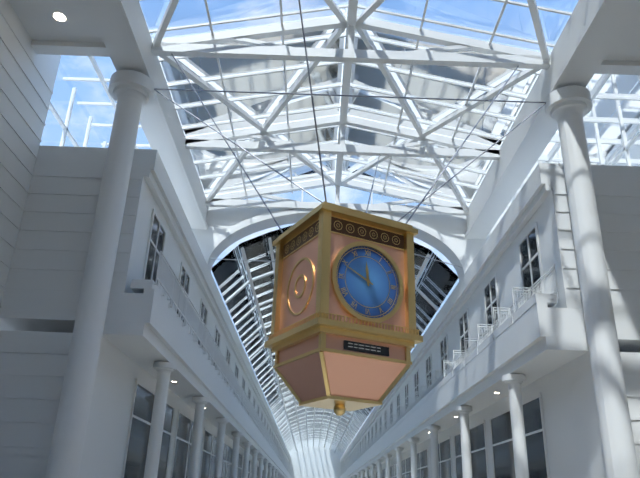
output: h=11 m=49
